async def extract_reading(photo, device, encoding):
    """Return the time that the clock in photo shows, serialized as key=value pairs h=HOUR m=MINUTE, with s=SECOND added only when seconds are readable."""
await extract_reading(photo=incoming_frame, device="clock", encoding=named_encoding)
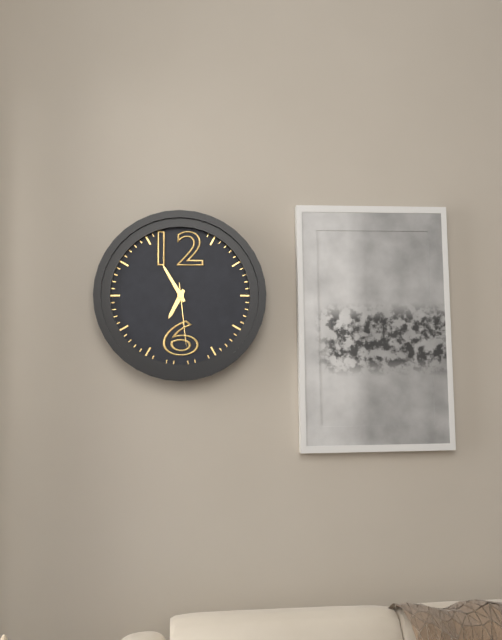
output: h=6 m=55 s=29
